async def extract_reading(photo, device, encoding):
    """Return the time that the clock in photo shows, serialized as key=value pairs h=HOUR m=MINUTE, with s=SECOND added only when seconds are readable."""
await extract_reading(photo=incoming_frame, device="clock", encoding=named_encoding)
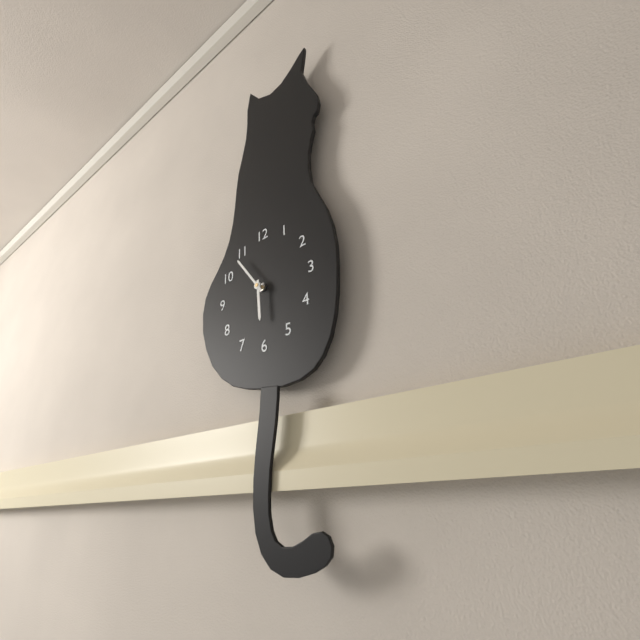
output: h=5 m=54
